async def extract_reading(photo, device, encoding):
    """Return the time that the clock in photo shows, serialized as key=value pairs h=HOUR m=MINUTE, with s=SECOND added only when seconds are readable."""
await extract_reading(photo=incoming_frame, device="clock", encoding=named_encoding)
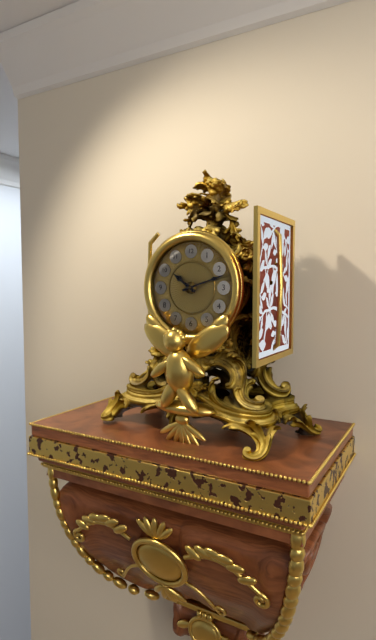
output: h=10 m=12
